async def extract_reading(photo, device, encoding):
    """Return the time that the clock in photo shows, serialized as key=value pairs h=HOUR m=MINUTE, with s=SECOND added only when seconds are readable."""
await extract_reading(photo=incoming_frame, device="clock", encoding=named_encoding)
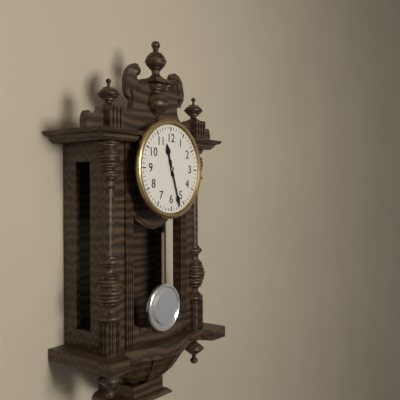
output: h=11 m=27
